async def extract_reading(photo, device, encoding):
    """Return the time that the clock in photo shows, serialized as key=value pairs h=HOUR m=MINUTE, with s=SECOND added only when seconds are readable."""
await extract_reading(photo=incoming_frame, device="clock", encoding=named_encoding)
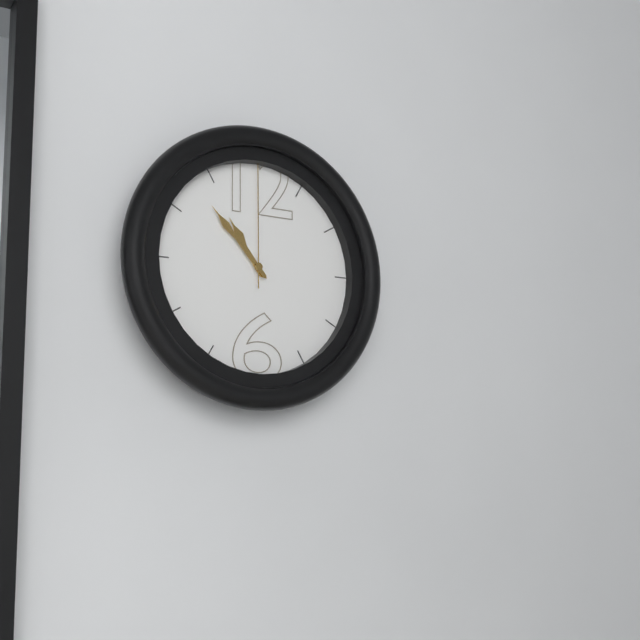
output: h=10 m=53 s=0
